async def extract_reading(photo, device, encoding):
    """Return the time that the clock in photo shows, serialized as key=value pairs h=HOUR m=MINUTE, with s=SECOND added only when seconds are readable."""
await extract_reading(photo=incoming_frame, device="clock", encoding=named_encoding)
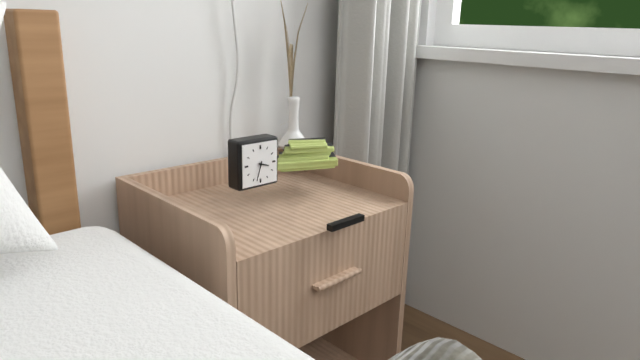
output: h=3 m=33
